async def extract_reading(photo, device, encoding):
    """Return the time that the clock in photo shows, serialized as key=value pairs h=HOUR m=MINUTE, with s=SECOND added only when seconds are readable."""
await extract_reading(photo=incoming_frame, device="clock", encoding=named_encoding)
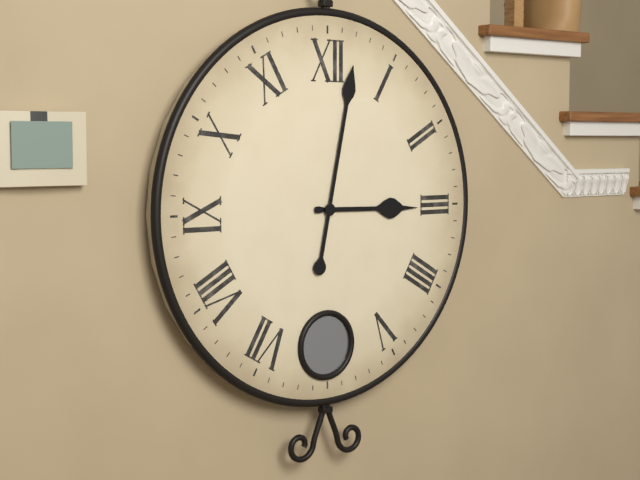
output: h=3 m=2
